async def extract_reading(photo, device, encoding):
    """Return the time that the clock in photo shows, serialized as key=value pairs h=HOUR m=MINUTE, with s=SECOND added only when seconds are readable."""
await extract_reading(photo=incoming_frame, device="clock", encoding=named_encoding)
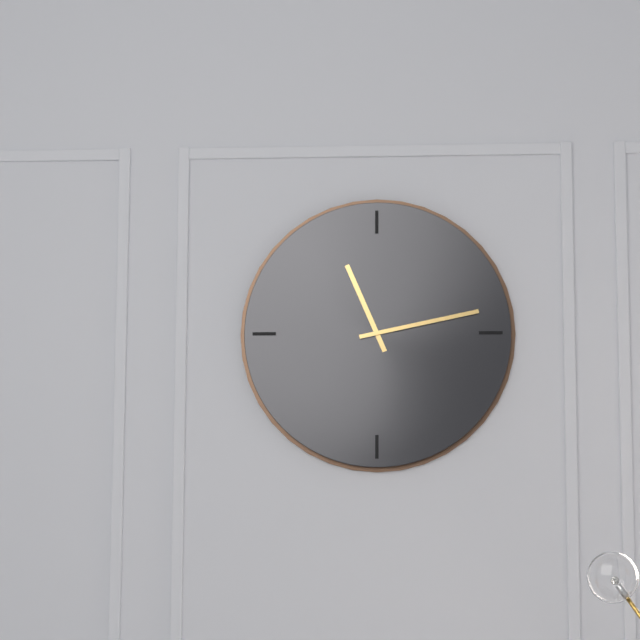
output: h=11 m=13
